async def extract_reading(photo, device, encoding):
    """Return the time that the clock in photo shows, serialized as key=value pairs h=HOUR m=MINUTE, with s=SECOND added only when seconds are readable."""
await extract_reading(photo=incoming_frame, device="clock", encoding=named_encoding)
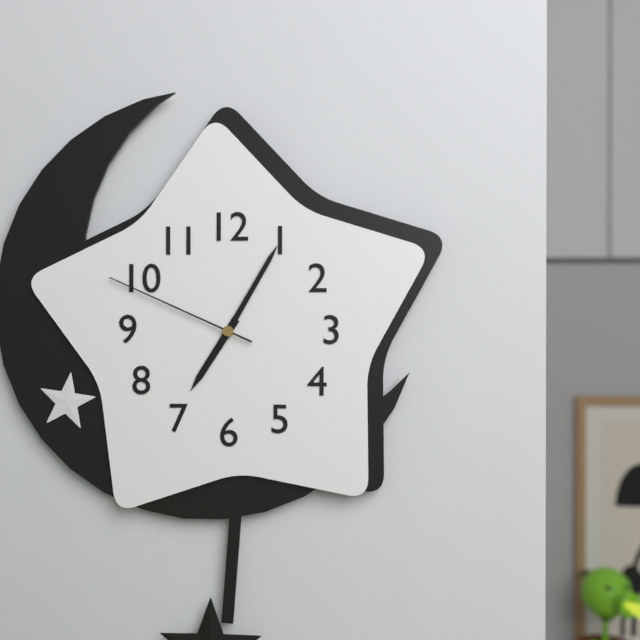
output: h=7 m=5 s=49
